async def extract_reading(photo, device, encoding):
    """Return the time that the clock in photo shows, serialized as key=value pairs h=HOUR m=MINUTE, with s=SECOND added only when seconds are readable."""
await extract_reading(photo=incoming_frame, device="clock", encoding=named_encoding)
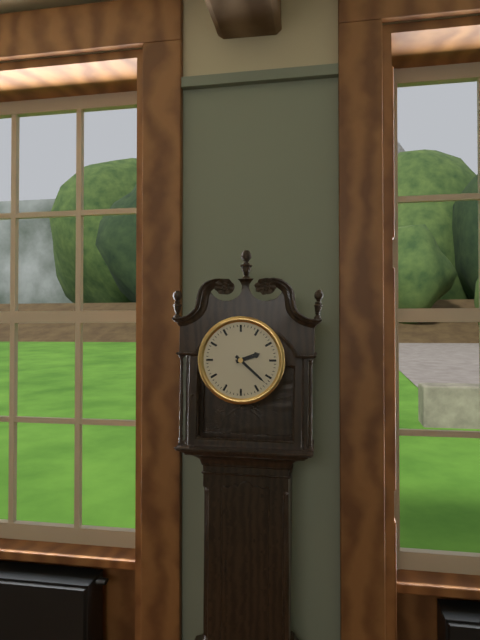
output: h=2 m=22
